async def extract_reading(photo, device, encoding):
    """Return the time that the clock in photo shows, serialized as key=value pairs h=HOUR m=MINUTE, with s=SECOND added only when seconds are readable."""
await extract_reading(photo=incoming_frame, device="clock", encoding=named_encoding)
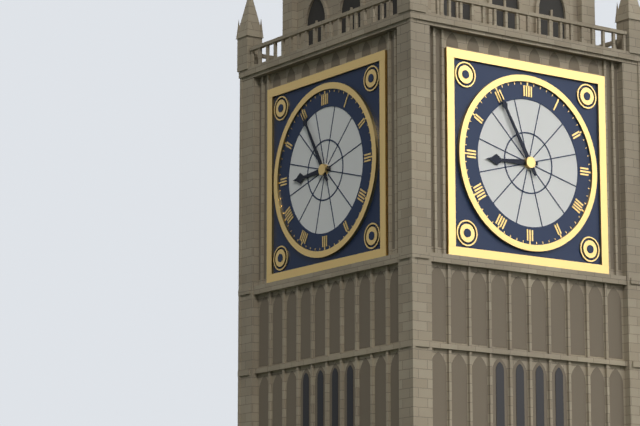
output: h=8 m=55
